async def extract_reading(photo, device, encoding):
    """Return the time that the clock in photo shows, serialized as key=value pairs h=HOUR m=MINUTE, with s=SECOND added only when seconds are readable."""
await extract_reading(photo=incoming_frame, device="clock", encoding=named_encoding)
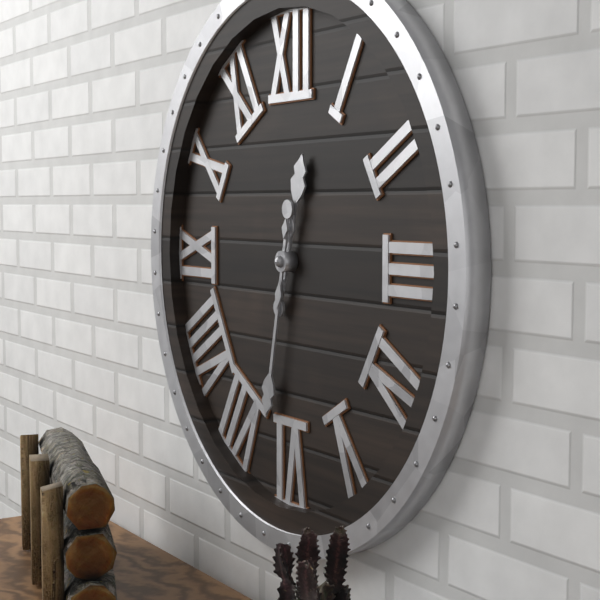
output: h=12 m=32
